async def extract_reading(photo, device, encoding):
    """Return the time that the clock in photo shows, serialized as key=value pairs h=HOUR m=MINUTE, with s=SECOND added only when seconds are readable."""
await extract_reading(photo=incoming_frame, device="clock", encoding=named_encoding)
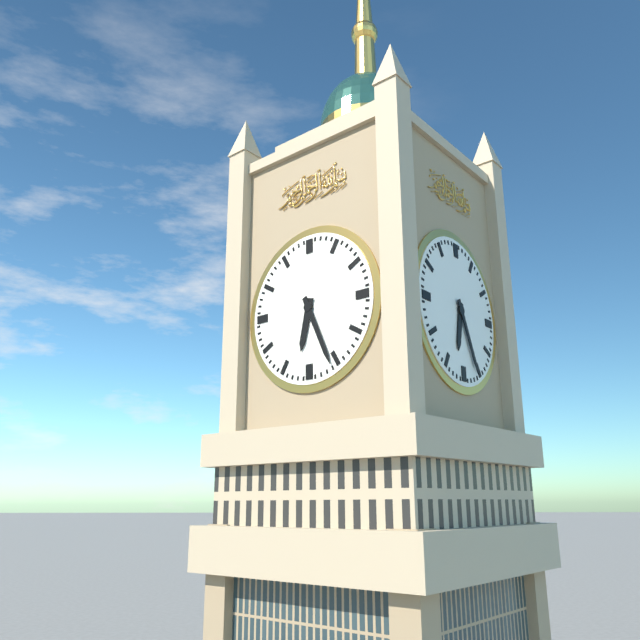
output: h=6 m=26
